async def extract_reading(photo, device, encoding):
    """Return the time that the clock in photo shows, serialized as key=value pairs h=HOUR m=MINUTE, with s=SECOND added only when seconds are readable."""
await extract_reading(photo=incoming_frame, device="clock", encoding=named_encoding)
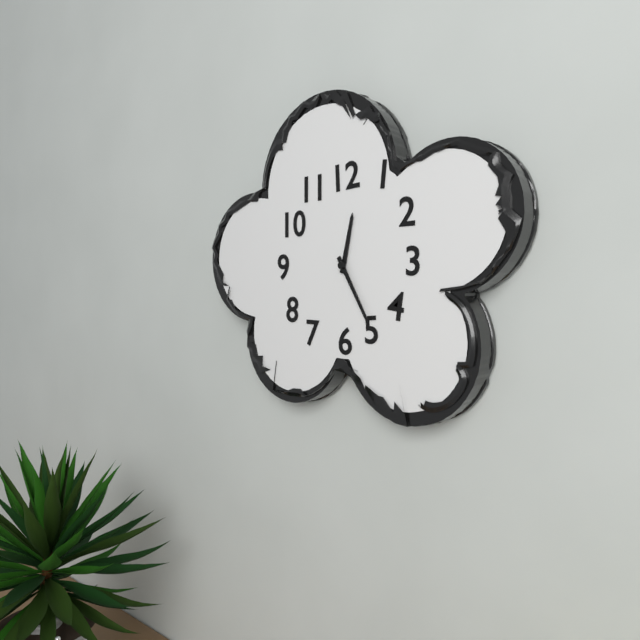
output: h=12 m=25
